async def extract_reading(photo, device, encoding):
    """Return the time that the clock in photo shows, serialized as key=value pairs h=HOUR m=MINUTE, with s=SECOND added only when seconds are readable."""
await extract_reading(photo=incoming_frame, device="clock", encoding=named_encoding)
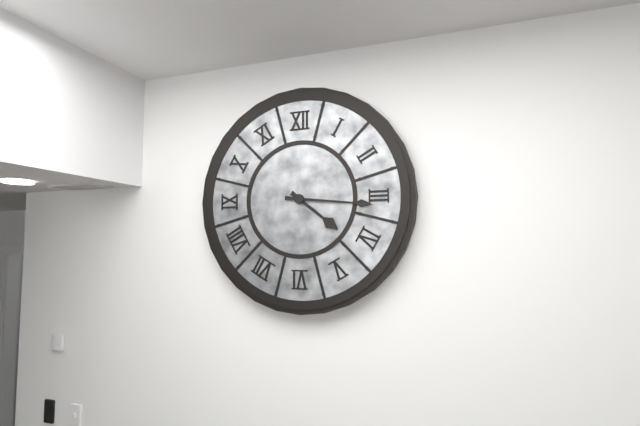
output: h=4 m=16
